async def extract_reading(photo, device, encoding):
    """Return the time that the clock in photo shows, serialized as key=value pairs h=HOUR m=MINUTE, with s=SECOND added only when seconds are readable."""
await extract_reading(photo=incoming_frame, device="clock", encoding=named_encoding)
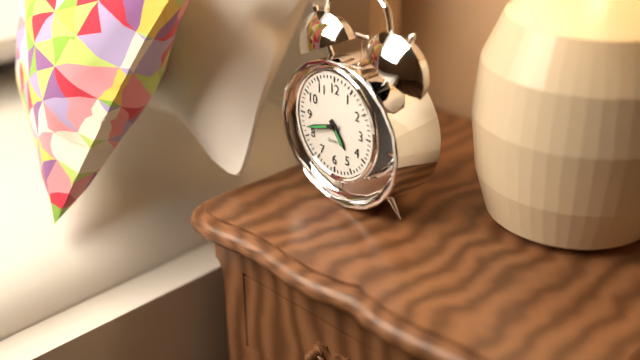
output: h=4 m=42
